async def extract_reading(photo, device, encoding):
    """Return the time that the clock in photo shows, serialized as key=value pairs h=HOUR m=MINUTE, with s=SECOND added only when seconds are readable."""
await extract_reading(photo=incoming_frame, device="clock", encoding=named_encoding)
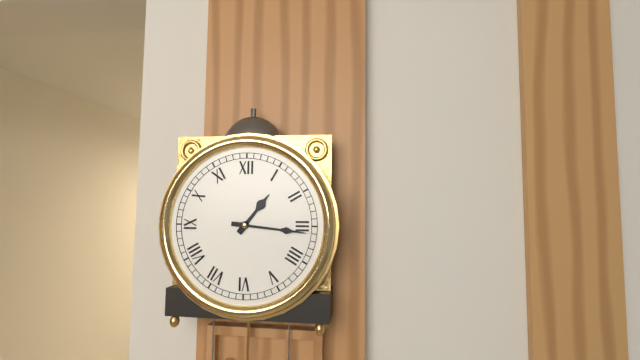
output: h=1 m=16
